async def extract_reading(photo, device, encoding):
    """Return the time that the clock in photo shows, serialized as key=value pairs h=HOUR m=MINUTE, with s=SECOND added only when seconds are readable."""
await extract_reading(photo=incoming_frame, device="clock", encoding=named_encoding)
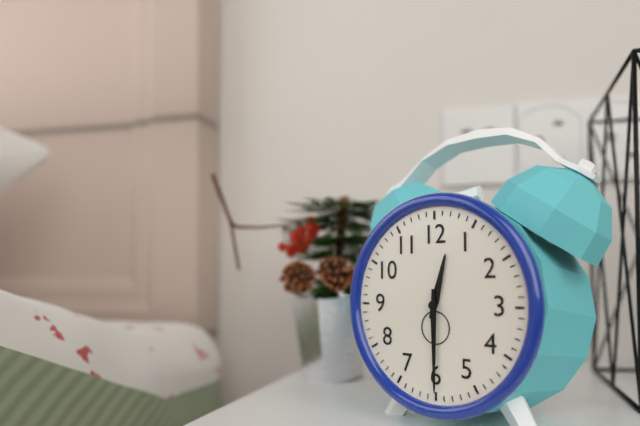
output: h=12 m=30
